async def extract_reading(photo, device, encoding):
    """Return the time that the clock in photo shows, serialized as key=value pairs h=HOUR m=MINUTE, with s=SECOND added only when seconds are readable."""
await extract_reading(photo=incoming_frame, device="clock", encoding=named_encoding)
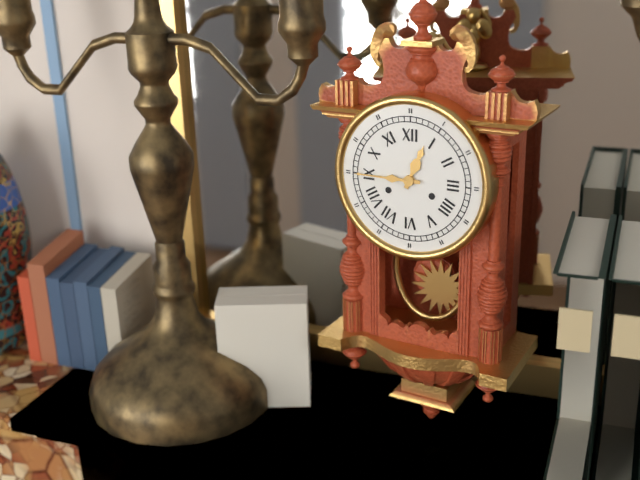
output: h=12 m=45
